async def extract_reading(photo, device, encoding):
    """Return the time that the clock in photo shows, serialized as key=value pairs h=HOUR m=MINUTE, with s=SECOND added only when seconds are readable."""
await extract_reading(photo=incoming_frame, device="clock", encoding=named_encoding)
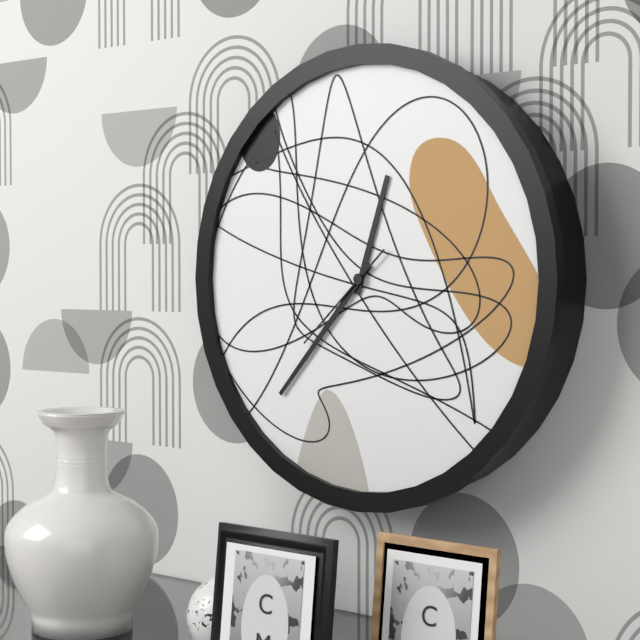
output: h=12 m=37 s=38
